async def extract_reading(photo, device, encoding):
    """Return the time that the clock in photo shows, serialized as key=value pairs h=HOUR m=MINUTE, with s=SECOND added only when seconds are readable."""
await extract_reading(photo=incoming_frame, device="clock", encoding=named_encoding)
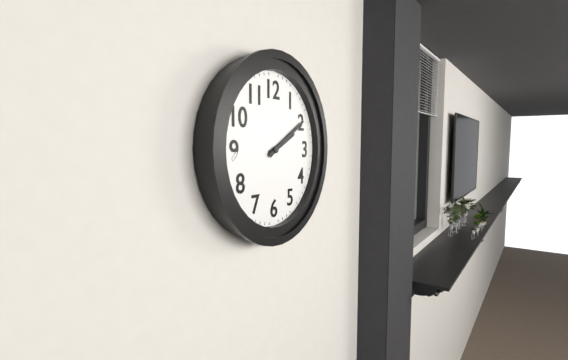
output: h=2 m=10
